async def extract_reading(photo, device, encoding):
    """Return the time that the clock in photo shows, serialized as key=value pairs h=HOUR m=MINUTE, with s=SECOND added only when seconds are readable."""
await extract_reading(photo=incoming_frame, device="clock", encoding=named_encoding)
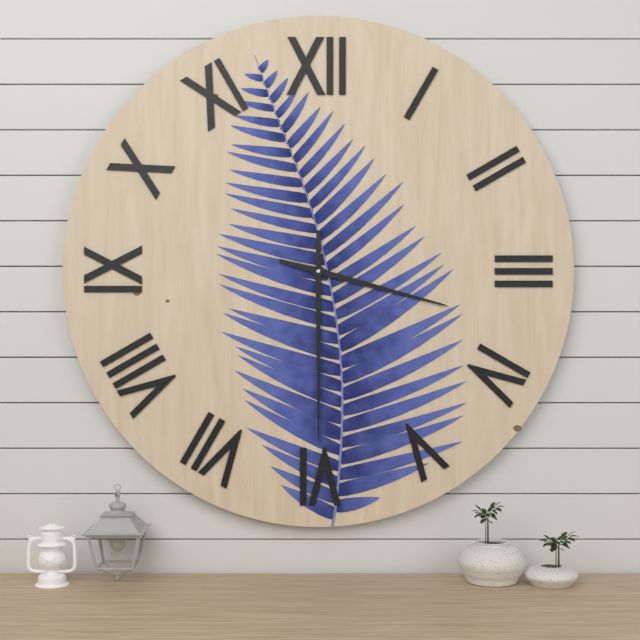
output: h=3 m=30
